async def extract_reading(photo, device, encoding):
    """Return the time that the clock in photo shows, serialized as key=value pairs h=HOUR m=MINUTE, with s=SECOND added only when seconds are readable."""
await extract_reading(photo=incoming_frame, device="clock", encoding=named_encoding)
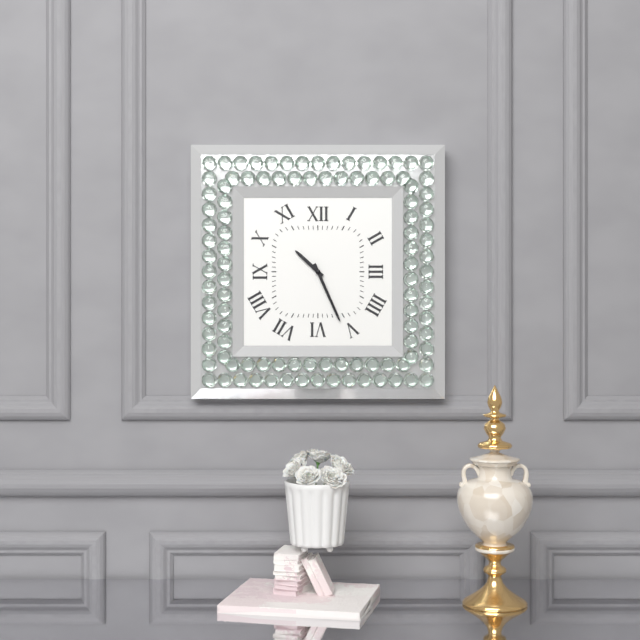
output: h=10 m=26
